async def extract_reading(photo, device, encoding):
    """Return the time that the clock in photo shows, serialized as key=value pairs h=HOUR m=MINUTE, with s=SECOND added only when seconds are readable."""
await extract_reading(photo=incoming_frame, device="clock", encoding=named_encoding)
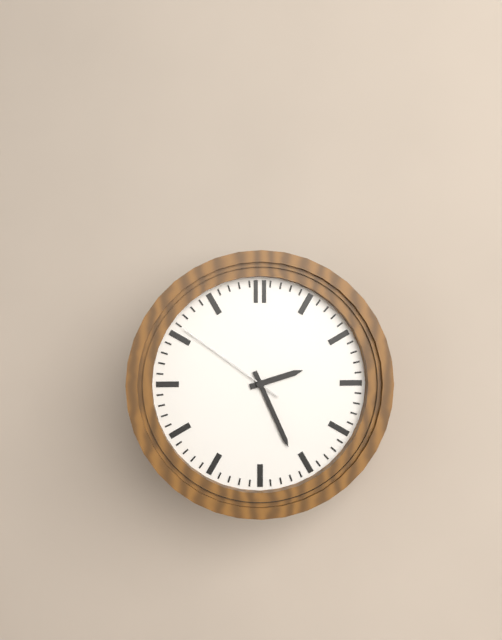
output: h=2 m=26 s=51
